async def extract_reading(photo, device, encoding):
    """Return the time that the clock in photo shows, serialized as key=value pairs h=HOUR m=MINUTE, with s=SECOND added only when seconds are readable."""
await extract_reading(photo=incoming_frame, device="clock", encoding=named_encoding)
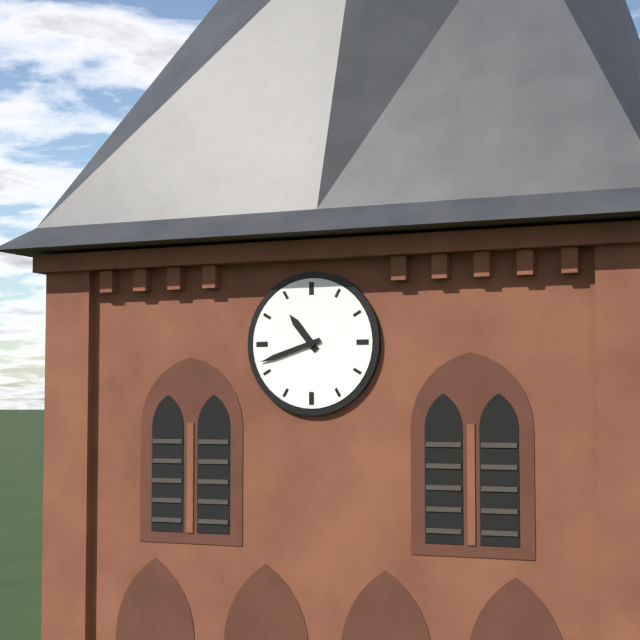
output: h=10 m=42
